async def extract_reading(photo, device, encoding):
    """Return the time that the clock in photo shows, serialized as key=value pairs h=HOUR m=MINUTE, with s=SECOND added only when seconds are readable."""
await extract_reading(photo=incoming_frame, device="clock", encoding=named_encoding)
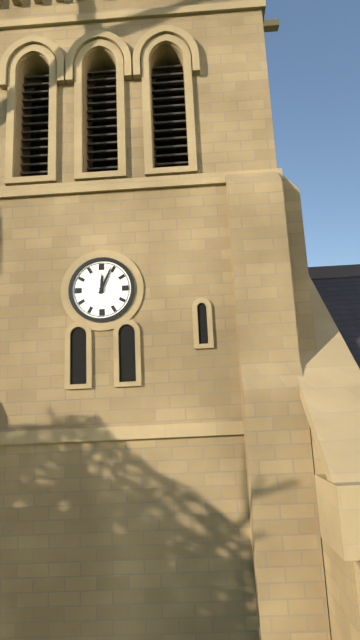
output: h=12 m=4
